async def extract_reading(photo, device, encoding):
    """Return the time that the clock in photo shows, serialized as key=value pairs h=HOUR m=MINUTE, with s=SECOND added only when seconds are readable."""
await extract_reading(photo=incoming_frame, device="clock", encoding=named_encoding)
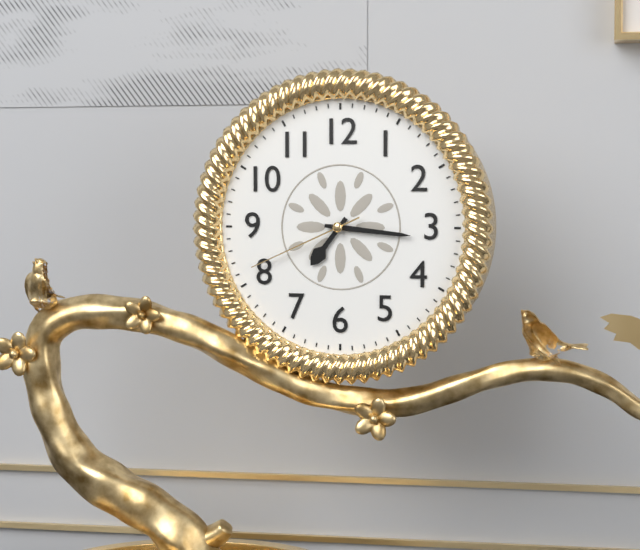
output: h=7 m=16 s=41
